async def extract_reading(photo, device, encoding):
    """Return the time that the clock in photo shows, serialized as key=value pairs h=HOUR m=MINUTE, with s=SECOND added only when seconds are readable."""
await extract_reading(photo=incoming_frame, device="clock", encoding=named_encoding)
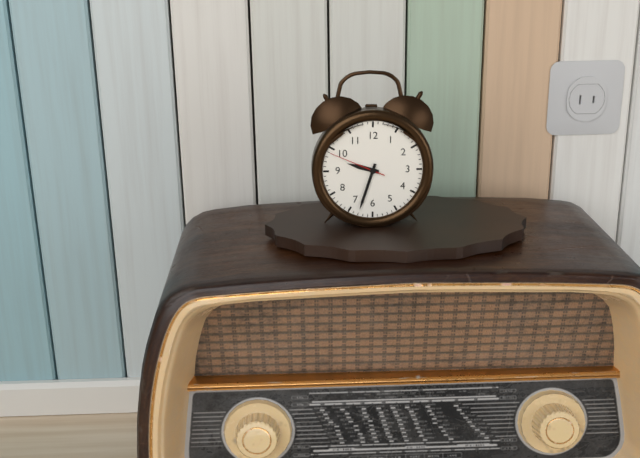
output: h=9 m=33 s=49
